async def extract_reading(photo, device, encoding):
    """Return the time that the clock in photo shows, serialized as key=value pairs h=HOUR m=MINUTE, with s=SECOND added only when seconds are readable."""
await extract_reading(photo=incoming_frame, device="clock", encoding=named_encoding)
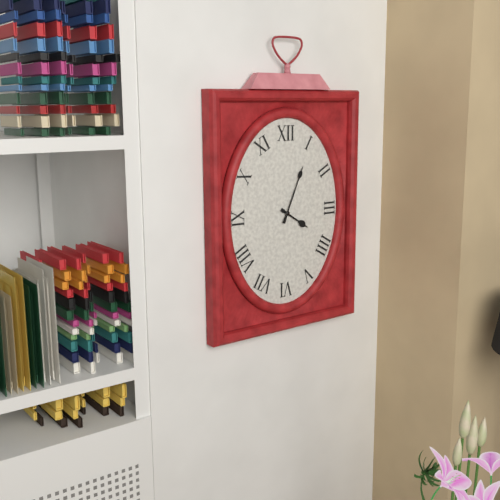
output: h=4 m=4
